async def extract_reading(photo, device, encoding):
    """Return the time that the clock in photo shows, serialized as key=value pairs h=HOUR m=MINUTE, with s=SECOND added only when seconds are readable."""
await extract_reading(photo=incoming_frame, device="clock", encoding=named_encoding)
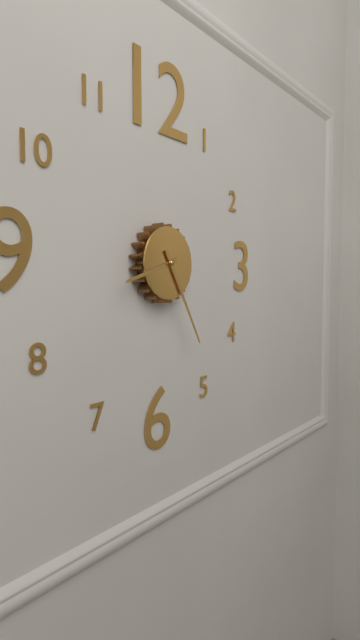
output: h=8 m=25
